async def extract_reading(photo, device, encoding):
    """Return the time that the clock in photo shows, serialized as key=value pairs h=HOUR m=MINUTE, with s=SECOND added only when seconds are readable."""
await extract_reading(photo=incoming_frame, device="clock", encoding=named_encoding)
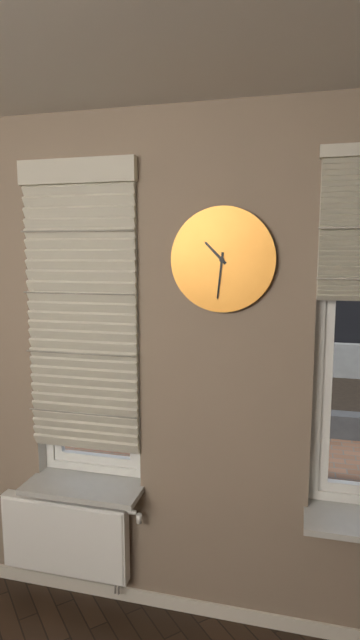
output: h=10 m=31
